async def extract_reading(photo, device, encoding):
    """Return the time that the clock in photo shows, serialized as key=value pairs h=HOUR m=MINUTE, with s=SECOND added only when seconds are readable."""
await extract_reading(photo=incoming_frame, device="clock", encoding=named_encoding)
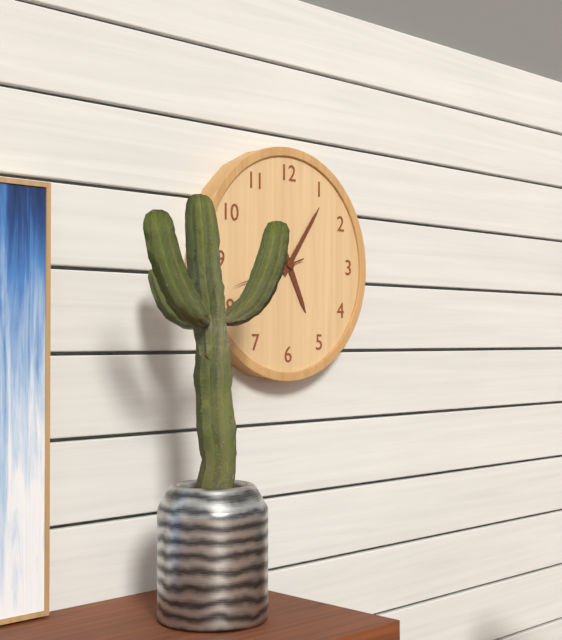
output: h=5 m=6 s=42
